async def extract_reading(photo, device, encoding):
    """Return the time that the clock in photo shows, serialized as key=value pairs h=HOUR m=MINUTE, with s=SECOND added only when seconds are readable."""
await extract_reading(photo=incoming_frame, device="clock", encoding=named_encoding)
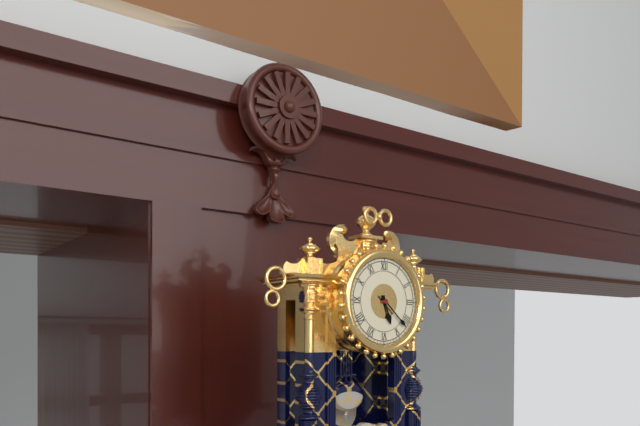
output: h=5 m=22
